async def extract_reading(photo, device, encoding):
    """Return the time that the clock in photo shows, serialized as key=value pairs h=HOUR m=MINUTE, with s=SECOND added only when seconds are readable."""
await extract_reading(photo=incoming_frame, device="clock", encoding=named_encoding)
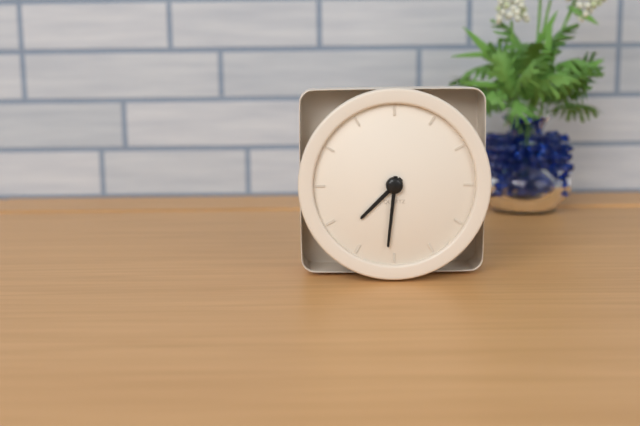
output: h=7 m=31
